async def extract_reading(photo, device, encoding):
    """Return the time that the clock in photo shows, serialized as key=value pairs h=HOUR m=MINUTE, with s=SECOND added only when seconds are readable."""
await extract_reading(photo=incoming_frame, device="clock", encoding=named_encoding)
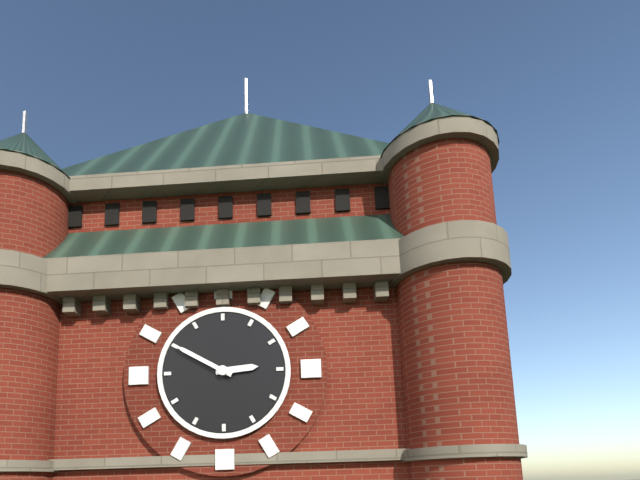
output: h=2 m=50
